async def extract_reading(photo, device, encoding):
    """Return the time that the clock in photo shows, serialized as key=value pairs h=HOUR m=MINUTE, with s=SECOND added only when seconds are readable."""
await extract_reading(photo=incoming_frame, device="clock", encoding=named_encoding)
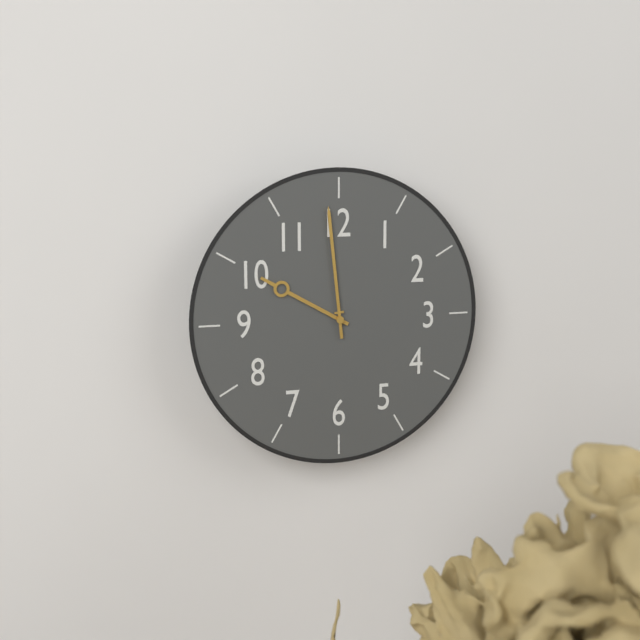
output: h=9 m=59
